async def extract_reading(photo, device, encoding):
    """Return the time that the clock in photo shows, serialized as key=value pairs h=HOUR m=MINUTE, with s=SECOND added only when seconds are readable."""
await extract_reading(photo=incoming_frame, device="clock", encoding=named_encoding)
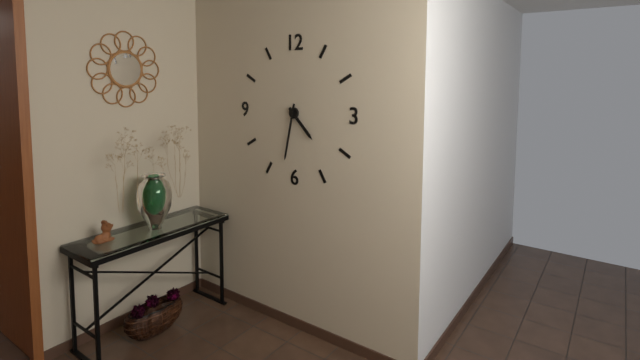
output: h=4 m=32
